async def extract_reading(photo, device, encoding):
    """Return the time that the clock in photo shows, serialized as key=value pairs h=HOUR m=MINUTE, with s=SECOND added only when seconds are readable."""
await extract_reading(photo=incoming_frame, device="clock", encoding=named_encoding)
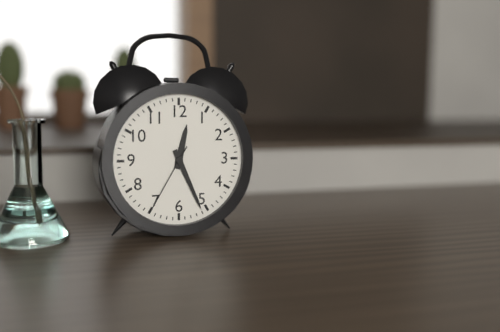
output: h=12 m=26 s=35
